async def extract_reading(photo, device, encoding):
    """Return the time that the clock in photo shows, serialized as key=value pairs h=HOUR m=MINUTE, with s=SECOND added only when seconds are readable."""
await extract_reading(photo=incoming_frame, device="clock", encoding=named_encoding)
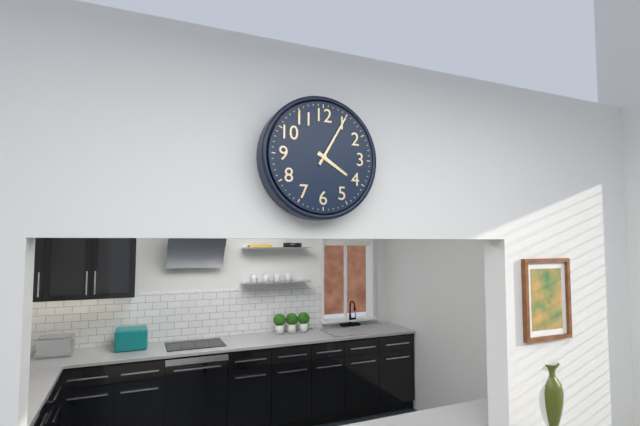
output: h=4 m=5
